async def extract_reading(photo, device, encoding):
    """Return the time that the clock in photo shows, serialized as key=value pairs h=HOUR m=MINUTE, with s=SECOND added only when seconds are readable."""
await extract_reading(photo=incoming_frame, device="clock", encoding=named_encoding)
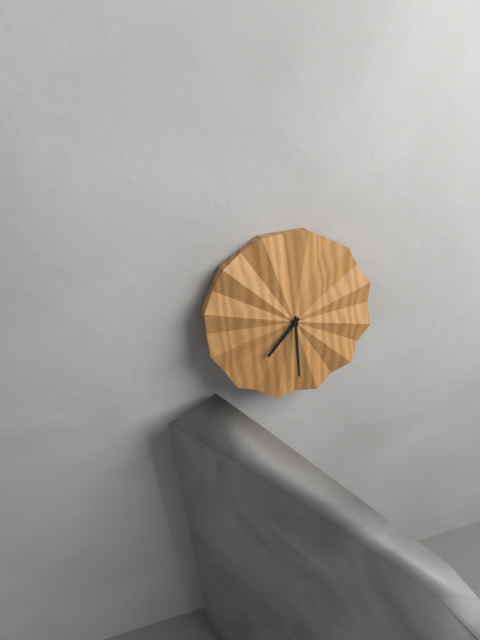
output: h=7 m=30
